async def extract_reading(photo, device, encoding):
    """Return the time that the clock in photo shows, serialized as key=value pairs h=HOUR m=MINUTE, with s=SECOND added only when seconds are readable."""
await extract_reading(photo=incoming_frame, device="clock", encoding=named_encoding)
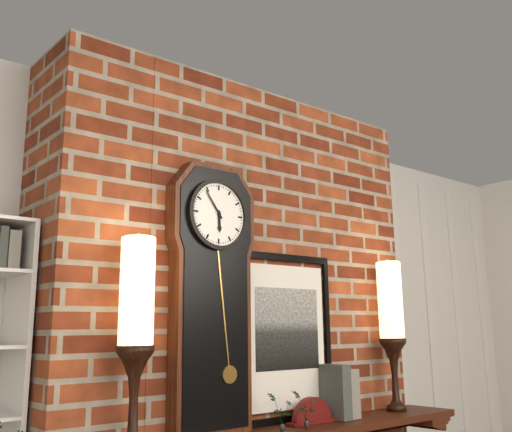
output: h=5 m=54
